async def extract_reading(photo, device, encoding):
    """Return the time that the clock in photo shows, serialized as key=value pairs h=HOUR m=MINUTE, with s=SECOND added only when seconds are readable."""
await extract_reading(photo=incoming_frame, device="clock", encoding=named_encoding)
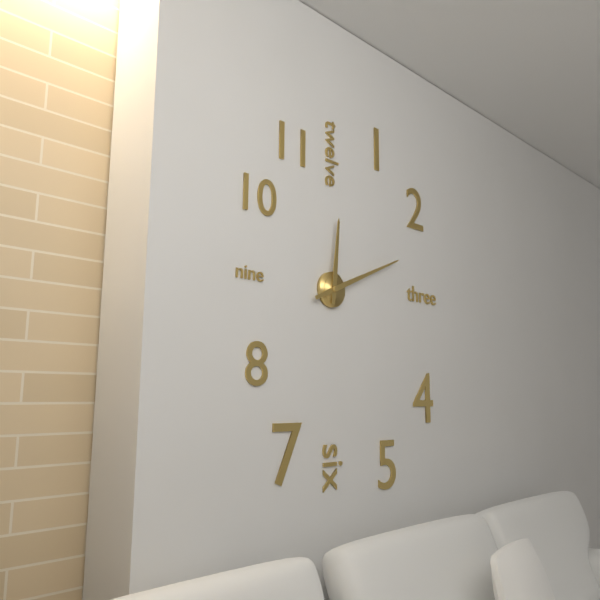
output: h=12 m=11
